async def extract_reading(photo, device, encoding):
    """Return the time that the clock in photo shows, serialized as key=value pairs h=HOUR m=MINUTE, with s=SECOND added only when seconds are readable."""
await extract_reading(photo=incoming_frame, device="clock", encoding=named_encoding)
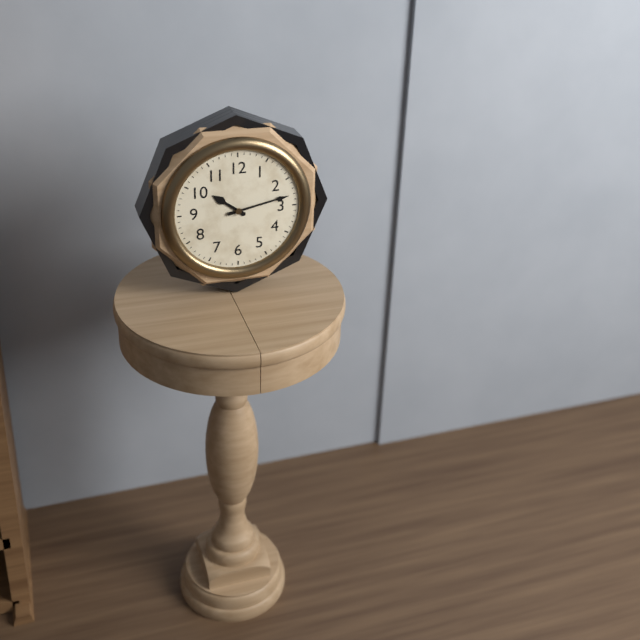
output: h=10 m=13
